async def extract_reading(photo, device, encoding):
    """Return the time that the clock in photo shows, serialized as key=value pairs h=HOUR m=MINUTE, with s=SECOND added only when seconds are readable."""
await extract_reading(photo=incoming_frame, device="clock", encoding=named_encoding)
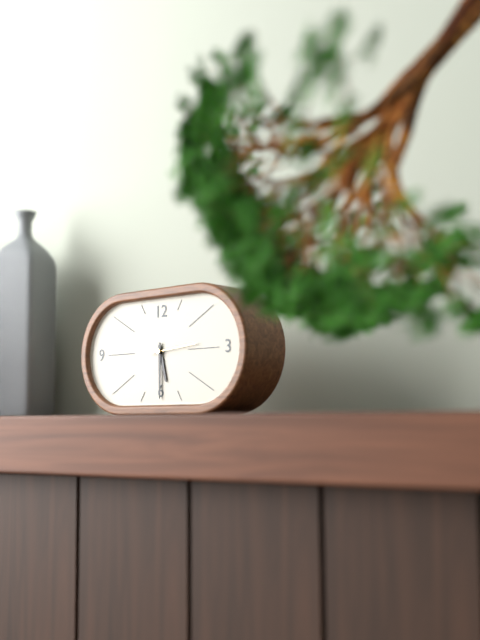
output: h=5 m=30
